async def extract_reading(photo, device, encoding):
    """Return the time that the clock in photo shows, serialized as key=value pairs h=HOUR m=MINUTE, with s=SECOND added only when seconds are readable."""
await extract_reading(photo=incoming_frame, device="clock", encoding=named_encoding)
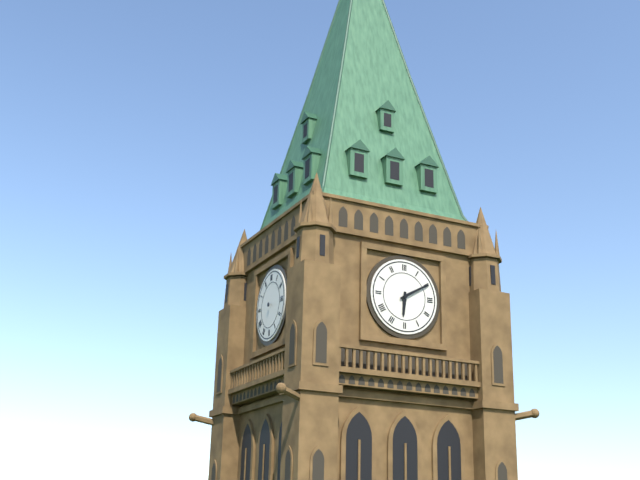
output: h=6 m=10
